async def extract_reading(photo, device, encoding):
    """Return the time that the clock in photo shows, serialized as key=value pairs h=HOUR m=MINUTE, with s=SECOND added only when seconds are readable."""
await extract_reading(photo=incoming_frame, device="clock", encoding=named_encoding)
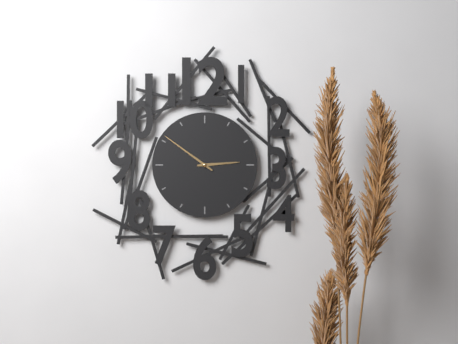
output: h=2 m=51
